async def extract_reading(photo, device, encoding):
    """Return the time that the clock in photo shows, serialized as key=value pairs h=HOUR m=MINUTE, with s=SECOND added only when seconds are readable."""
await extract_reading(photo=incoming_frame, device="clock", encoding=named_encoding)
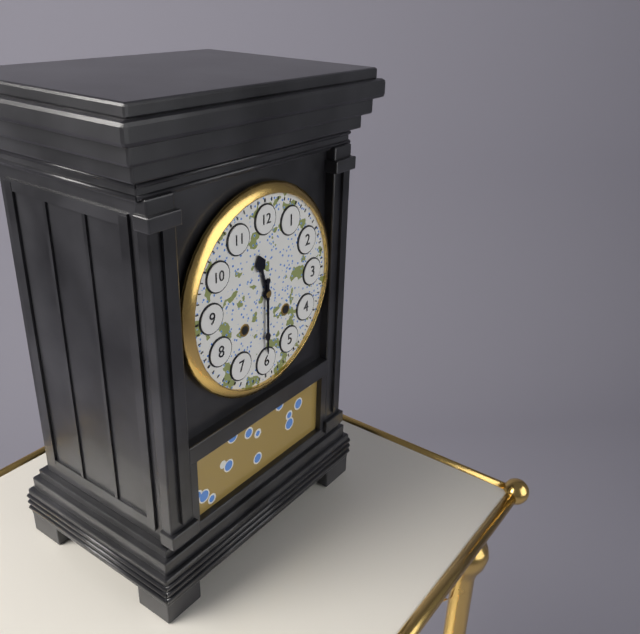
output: h=11 m=30
